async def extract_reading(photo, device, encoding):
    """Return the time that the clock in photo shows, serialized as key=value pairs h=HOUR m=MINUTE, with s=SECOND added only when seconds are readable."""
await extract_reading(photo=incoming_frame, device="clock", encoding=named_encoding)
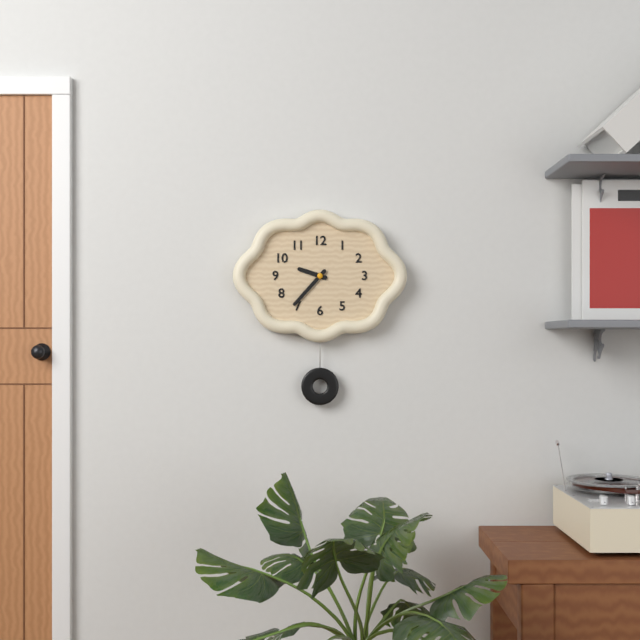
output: h=9 m=37
